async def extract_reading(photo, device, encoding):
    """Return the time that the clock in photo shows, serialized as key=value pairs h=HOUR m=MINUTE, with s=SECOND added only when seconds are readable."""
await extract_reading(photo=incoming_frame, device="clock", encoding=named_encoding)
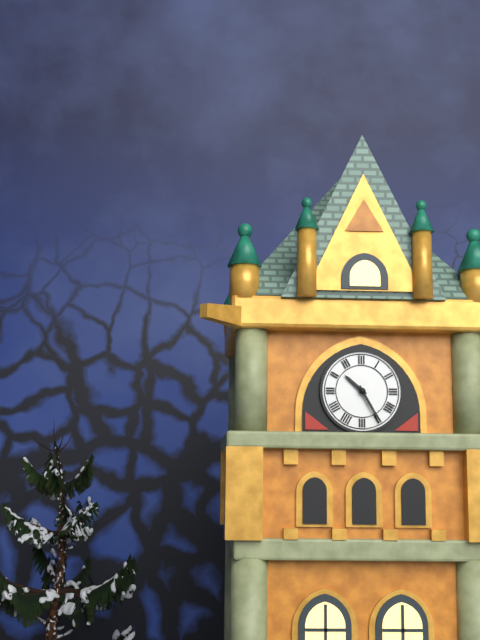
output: h=10 m=25
